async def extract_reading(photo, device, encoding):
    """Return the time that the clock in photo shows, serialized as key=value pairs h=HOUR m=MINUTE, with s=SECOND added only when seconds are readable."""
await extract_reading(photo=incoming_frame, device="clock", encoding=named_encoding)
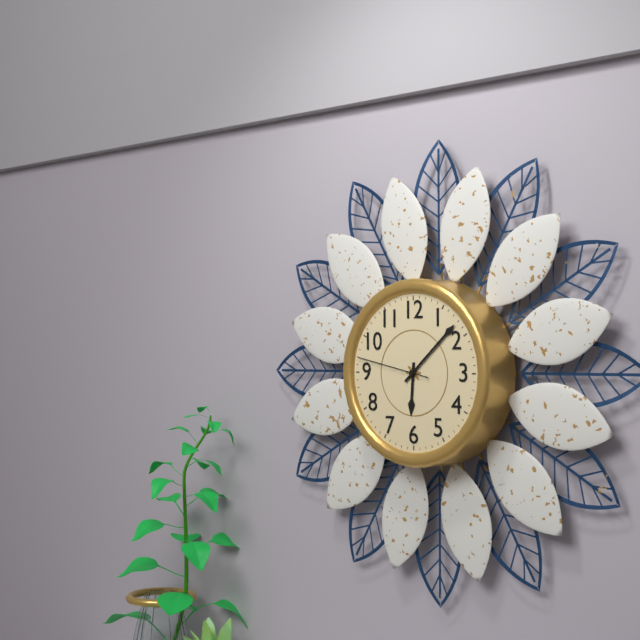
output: h=6 m=8 s=47
